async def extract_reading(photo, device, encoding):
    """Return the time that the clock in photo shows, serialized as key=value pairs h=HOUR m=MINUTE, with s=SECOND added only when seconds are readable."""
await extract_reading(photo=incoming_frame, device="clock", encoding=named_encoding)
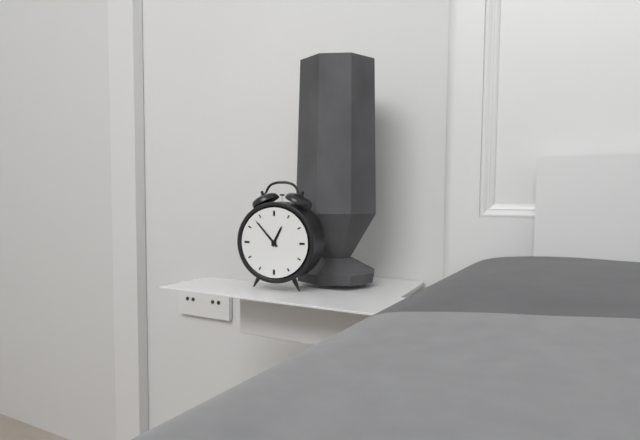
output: h=12 m=53
